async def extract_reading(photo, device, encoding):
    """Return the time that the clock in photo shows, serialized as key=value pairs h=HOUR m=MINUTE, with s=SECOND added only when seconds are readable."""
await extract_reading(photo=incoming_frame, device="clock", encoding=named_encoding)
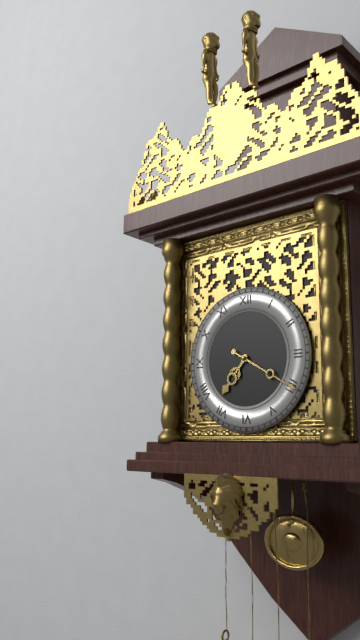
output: h=7 m=20
